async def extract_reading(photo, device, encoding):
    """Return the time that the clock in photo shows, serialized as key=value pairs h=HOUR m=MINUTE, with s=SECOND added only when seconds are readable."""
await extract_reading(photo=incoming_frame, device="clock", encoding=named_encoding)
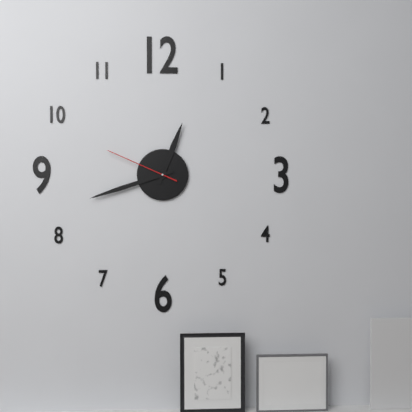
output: h=12 m=42 s=49
